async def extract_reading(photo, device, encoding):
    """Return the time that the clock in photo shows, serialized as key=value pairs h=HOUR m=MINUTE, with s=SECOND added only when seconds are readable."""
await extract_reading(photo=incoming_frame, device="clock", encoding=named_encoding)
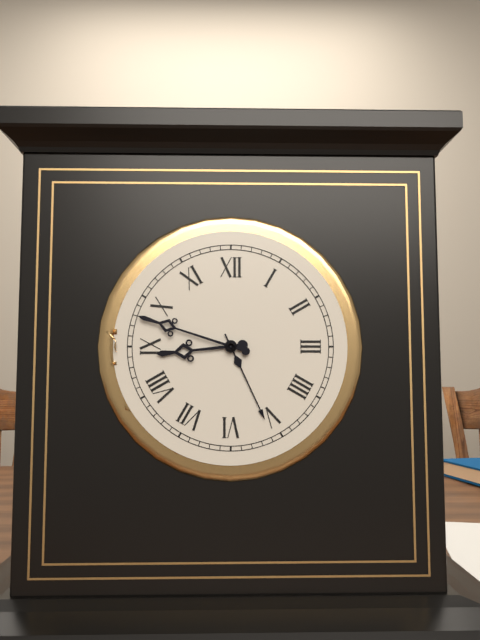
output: h=8 m=48
